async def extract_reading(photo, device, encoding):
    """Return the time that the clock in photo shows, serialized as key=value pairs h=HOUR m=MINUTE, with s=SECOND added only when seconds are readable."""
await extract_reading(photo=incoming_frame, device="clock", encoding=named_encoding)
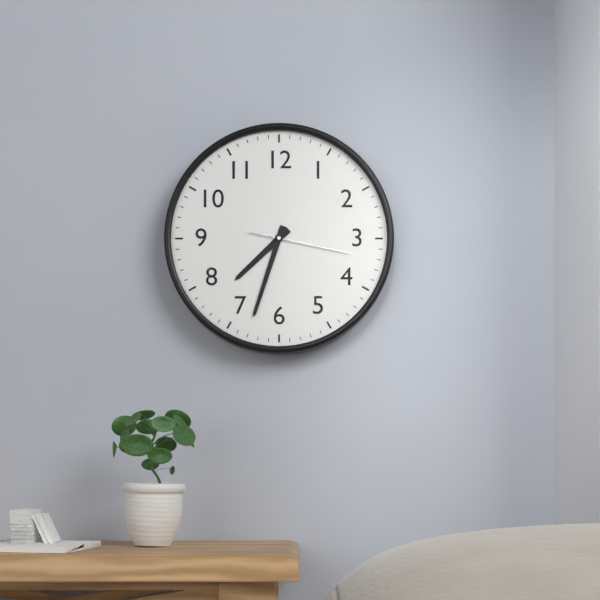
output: h=7 m=33 s=17
